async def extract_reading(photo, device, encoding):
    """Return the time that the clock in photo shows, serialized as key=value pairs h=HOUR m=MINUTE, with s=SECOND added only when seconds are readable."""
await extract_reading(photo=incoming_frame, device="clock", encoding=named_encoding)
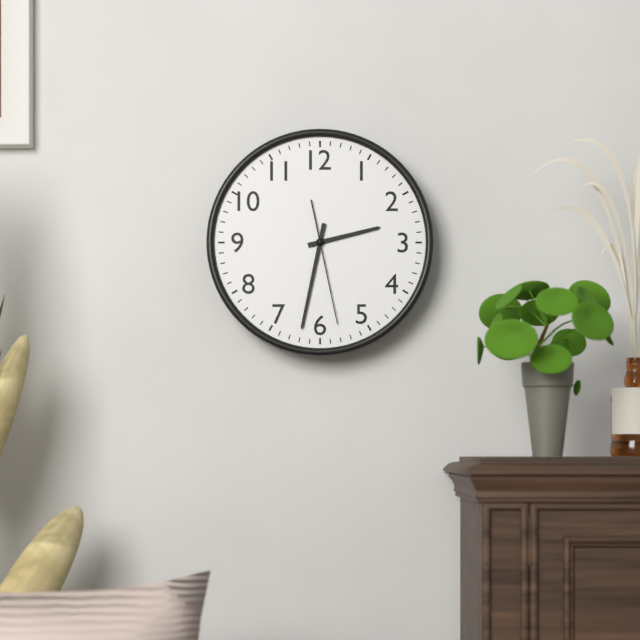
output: h=2 m=32 s=28
